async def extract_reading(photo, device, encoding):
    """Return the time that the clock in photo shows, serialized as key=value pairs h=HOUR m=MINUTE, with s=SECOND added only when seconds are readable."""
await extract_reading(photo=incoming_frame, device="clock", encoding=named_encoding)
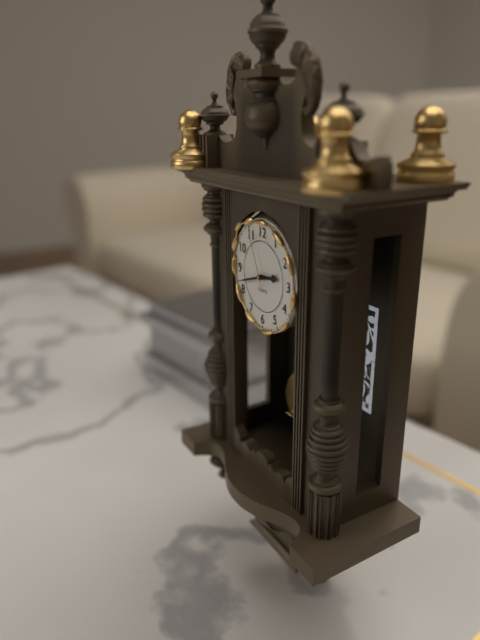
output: h=2 m=42 s=56
